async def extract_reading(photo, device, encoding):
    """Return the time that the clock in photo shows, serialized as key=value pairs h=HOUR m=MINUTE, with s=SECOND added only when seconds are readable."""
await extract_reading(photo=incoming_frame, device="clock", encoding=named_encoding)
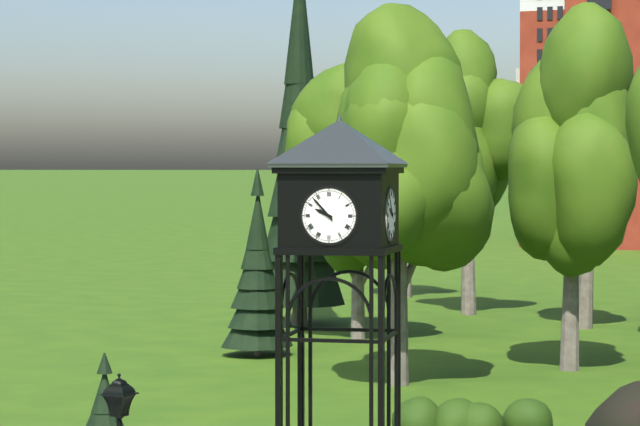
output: h=9 m=53
